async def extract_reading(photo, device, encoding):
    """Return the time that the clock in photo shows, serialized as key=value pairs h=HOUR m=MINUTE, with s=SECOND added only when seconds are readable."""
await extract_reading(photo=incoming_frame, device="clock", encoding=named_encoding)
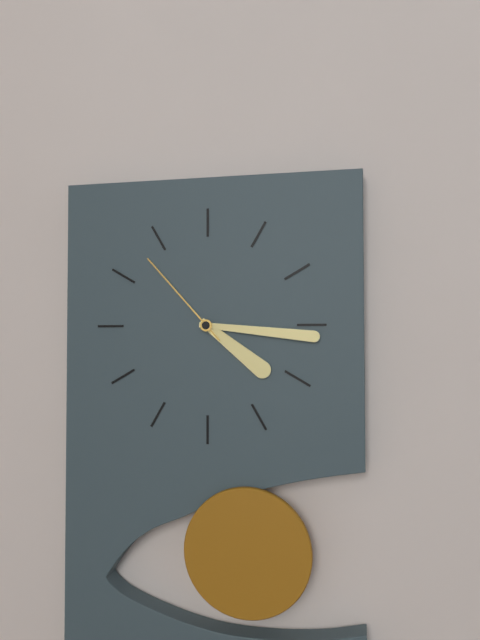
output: h=4 m=16 s=53
